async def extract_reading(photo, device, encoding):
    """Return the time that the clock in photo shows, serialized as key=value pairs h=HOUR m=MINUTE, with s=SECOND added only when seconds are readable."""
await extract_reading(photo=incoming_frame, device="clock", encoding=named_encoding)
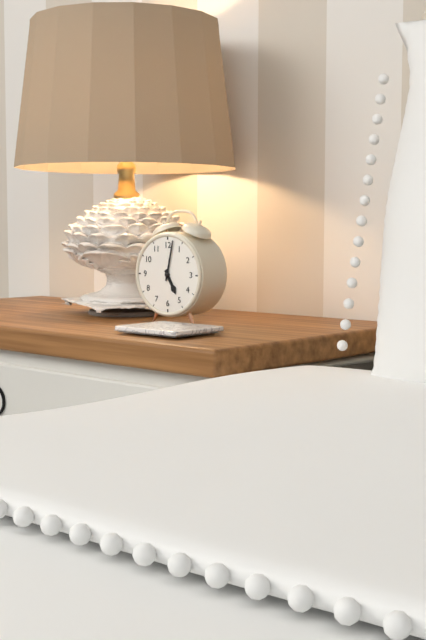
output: h=5 m=2
